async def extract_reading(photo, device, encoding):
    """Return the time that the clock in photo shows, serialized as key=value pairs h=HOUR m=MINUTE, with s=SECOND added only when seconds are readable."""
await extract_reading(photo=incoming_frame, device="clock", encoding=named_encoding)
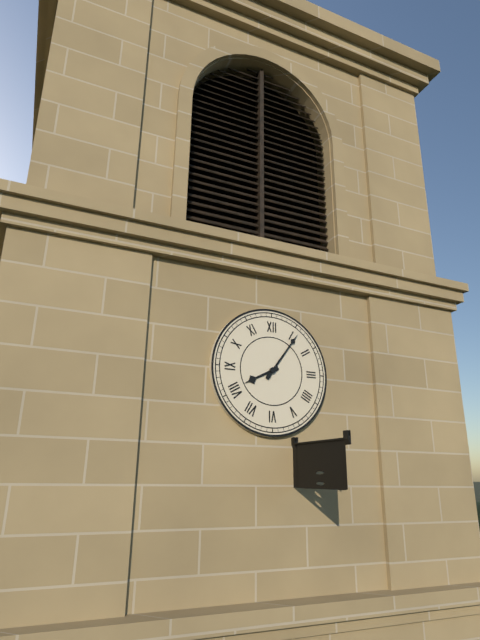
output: h=8 m=6
